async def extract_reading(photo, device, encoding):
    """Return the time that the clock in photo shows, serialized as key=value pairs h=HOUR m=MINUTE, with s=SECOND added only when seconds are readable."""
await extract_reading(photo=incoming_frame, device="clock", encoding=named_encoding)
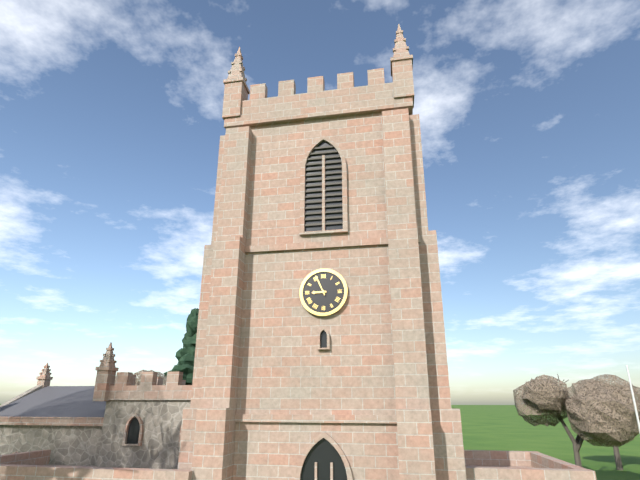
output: h=8 m=56
